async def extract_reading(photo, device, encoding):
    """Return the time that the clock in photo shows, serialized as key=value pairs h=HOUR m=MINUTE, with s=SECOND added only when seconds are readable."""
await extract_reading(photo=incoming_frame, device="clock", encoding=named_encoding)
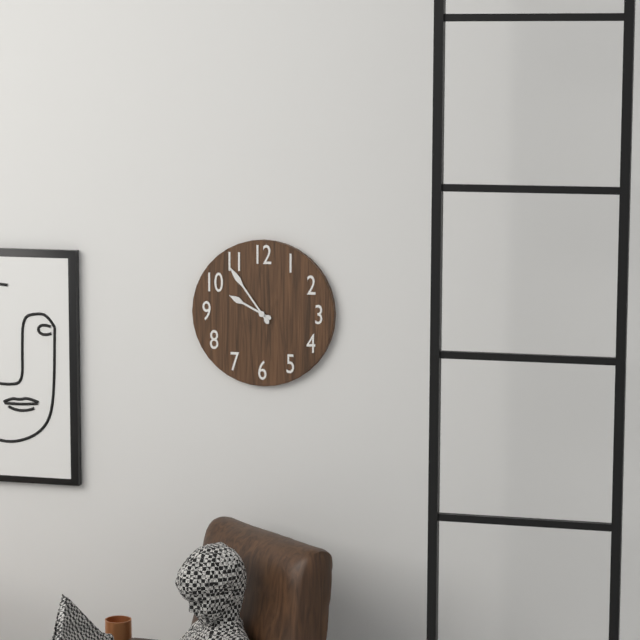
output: h=9 m=54
